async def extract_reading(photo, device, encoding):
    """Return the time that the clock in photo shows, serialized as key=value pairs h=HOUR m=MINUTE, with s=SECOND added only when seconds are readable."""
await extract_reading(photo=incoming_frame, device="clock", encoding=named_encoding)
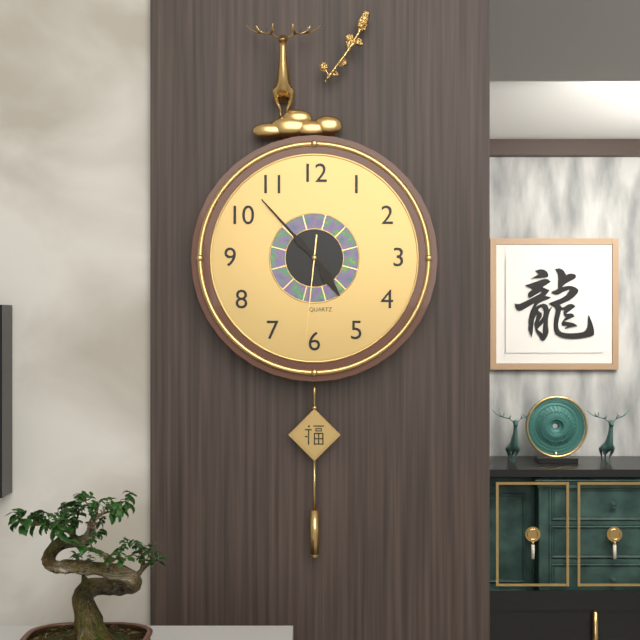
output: h=4 m=53 s=31
